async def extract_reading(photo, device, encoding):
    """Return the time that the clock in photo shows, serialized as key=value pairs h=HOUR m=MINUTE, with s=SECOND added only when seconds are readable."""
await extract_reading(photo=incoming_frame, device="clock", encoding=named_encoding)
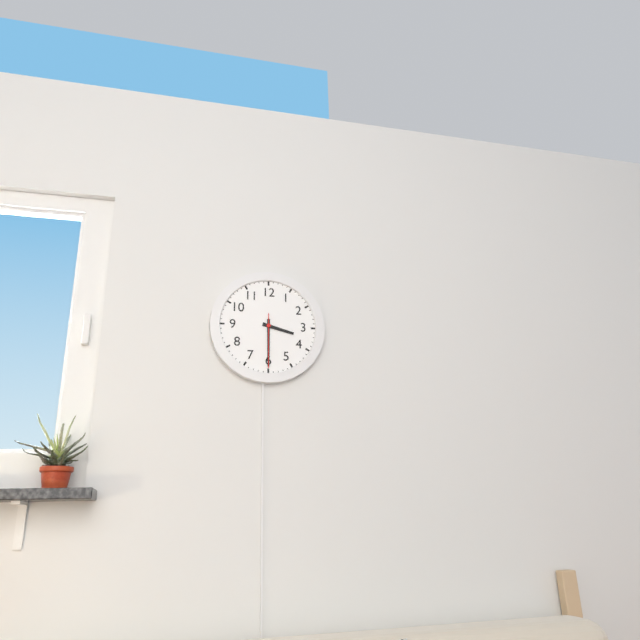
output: h=3 m=30 s=30
